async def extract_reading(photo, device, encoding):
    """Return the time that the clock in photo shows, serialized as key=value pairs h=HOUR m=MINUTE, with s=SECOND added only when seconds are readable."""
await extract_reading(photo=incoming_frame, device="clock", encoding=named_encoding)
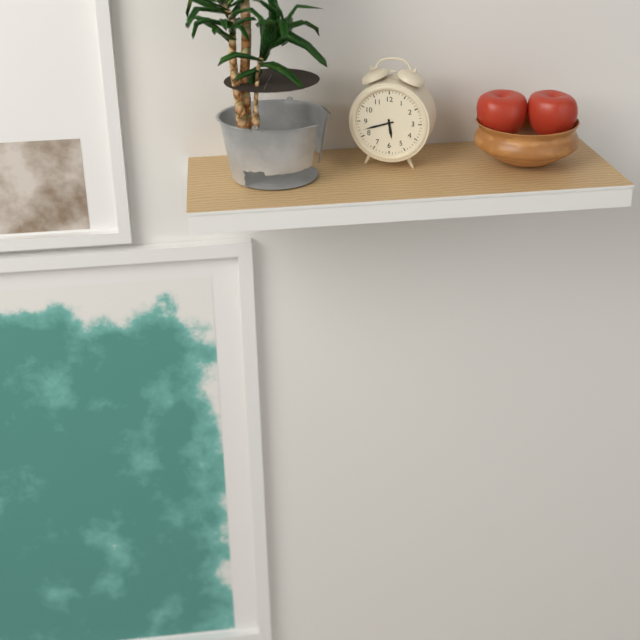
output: h=5 m=42
